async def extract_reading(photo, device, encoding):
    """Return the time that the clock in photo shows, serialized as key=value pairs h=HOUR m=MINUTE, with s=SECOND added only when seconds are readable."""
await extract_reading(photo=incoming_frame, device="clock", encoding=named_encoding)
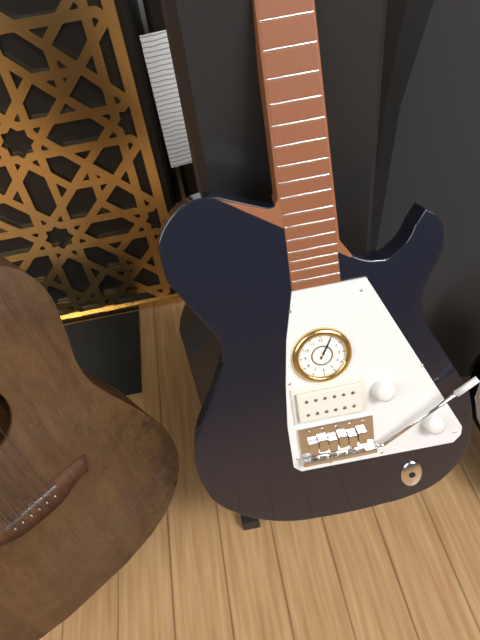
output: h=1 m=5
